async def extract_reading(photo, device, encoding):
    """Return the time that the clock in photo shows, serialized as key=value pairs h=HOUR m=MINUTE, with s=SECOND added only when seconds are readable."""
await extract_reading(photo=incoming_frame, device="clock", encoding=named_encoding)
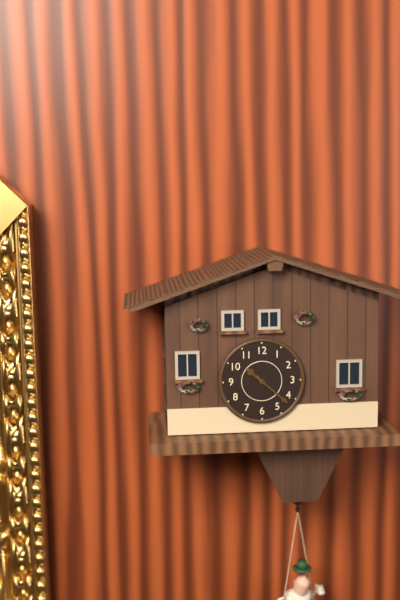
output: h=10 m=22
